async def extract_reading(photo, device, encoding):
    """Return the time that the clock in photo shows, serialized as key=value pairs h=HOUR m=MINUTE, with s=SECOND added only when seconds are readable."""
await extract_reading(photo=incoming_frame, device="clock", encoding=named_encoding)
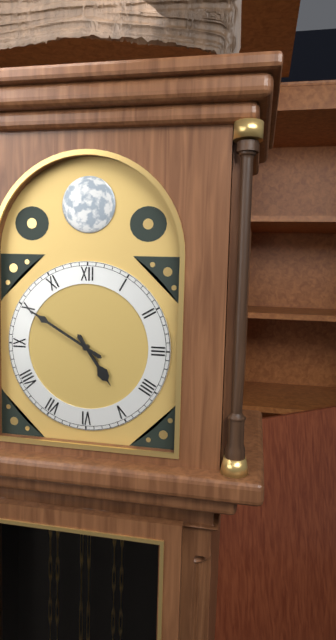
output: h=4 m=50
